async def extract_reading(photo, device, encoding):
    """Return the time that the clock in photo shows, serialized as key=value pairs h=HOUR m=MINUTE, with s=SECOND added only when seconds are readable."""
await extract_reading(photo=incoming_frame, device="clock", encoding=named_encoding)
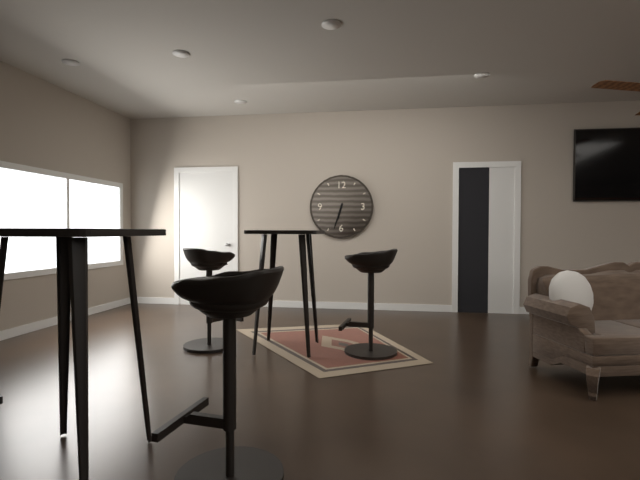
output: h=6 m=33
